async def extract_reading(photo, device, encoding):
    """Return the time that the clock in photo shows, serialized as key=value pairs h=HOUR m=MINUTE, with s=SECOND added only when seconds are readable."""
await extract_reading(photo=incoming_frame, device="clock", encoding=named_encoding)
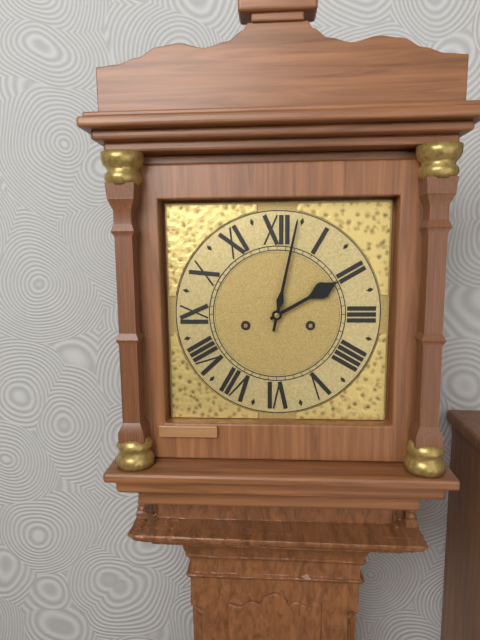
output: h=2 m=2
